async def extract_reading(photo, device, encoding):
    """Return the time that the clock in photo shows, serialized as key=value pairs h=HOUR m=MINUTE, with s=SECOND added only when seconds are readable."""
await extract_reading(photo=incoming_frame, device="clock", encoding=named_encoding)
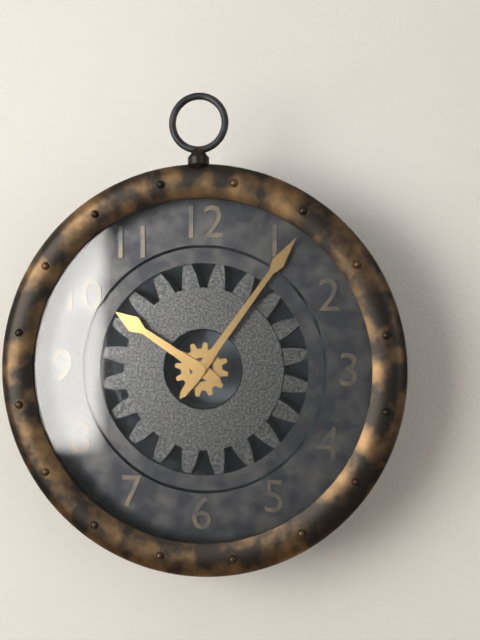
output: h=10 m=6
